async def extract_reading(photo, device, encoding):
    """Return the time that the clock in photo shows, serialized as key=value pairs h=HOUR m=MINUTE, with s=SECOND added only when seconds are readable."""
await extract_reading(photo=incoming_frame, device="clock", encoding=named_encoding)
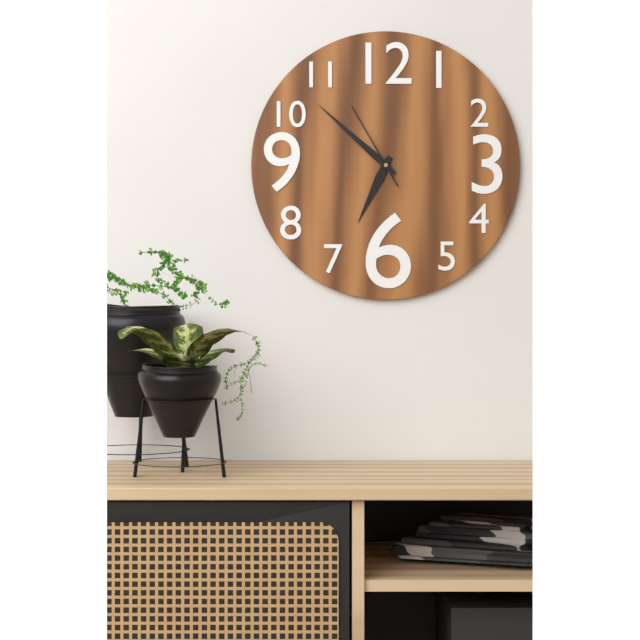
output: h=6 m=52 s=55
